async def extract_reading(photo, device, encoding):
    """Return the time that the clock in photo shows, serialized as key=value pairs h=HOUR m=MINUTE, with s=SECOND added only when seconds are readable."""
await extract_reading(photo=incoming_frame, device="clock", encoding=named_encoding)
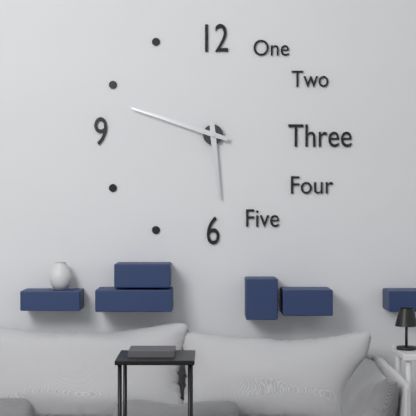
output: h=5 m=48
